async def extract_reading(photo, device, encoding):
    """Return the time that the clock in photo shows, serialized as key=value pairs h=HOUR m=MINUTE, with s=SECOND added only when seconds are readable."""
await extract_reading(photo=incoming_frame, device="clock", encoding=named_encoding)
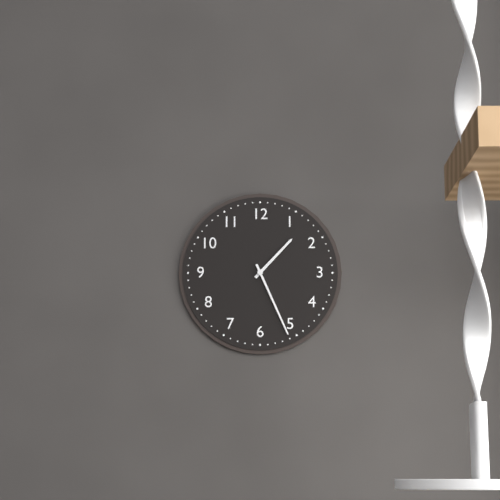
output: h=1 m=26
